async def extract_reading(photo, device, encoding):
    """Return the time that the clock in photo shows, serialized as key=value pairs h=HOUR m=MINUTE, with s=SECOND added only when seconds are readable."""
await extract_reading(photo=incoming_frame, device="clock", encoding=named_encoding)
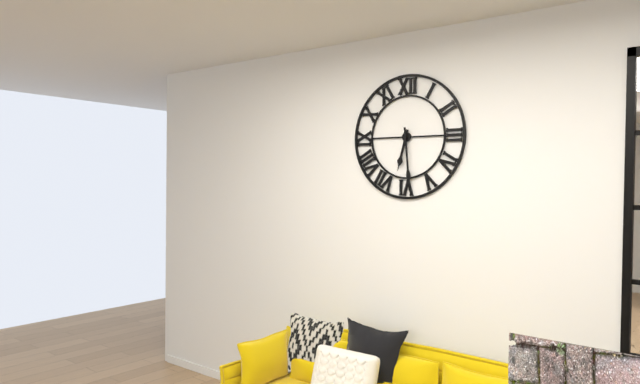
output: h=6 m=29
